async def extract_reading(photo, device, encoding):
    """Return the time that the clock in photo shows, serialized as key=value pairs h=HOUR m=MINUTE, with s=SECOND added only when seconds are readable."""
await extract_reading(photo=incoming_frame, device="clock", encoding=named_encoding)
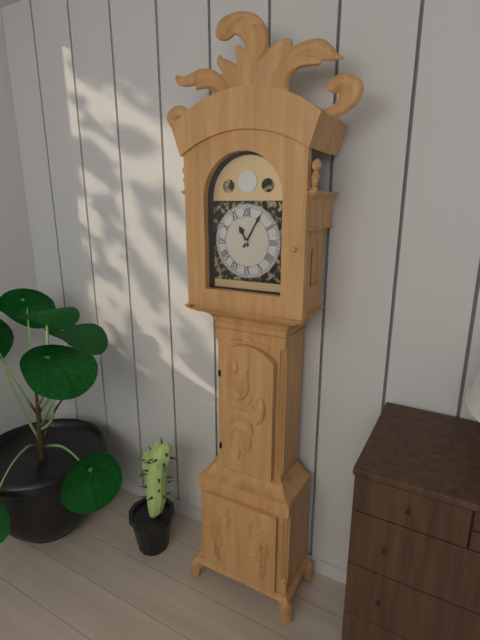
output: h=11 m=5
